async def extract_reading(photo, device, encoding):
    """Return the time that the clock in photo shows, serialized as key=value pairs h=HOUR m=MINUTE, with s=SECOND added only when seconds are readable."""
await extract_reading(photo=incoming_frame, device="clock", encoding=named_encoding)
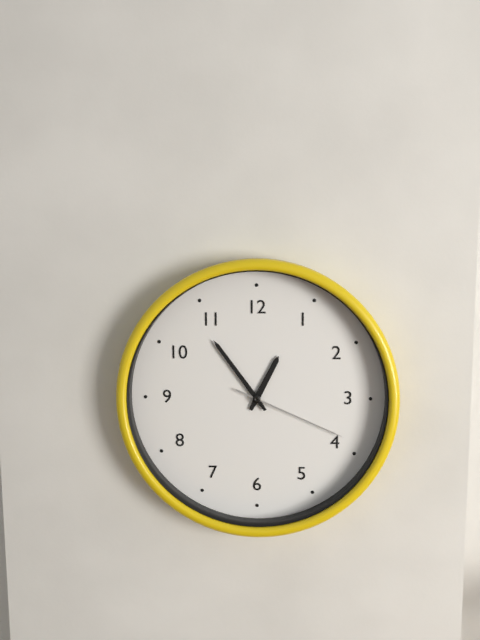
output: h=12 m=54 s=19
